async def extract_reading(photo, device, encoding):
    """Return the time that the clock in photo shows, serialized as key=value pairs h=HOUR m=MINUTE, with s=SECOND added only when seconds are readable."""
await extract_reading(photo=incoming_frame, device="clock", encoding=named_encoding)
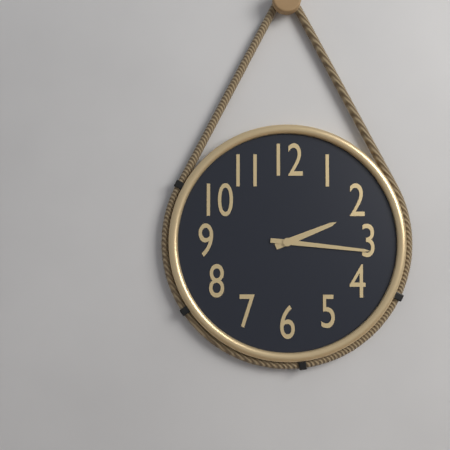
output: h=2 m=16
